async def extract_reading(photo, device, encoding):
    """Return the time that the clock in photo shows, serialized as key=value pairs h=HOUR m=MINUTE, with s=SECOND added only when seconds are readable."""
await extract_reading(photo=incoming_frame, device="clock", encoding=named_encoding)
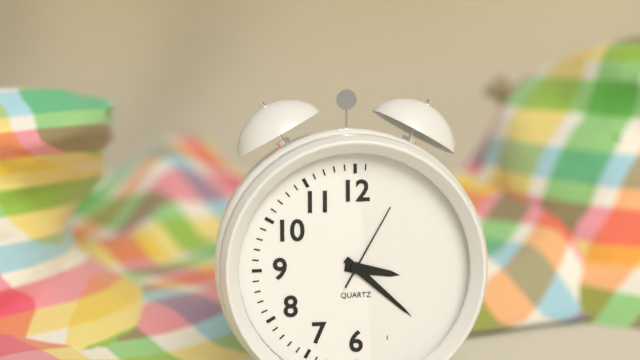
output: h=3 m=22 s=5
